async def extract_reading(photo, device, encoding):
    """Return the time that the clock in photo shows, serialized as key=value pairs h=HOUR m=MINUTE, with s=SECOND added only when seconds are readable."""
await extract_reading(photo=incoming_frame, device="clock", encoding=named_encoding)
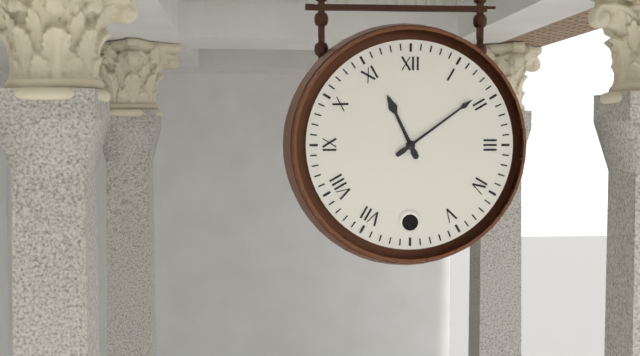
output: h=11 m=9
